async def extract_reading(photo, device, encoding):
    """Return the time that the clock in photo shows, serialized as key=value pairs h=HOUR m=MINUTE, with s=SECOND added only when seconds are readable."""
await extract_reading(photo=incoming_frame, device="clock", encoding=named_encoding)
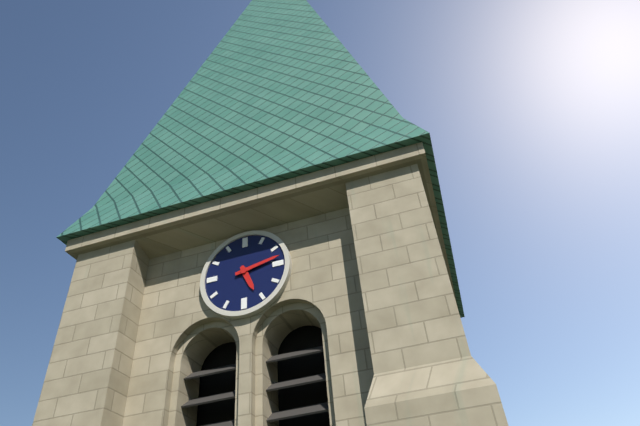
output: h=5 m=13
